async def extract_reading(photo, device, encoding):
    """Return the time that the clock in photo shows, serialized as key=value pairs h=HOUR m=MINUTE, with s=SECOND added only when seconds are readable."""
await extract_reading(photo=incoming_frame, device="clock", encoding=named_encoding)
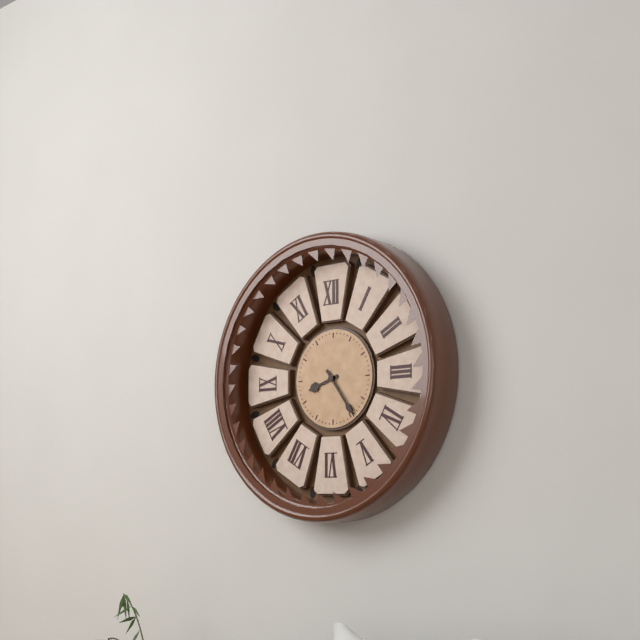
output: h=8 m=24
